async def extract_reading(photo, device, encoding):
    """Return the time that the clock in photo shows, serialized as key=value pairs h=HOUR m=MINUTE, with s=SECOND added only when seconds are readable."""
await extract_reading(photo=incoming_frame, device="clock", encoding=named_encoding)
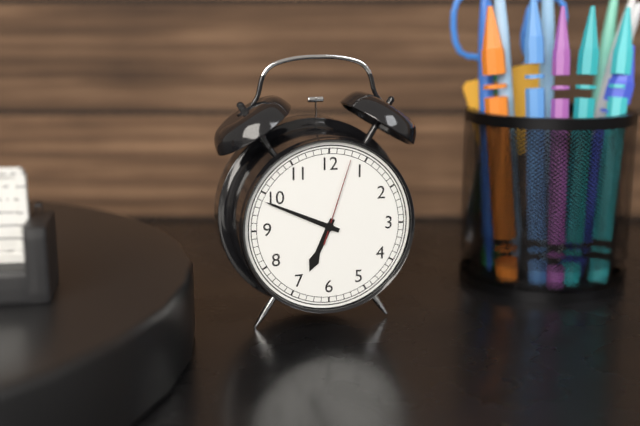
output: h=6 m=49 s=3
